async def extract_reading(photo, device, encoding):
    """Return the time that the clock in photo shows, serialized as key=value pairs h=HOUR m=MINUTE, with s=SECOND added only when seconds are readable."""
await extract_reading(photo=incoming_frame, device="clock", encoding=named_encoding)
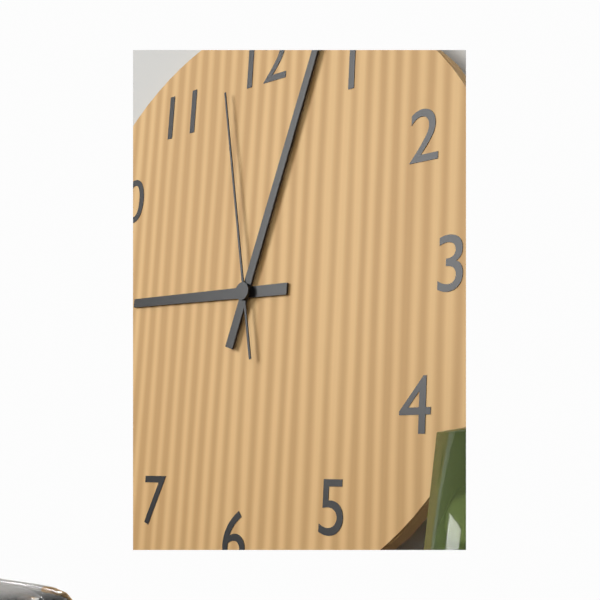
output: h=9 m=3 s=58
